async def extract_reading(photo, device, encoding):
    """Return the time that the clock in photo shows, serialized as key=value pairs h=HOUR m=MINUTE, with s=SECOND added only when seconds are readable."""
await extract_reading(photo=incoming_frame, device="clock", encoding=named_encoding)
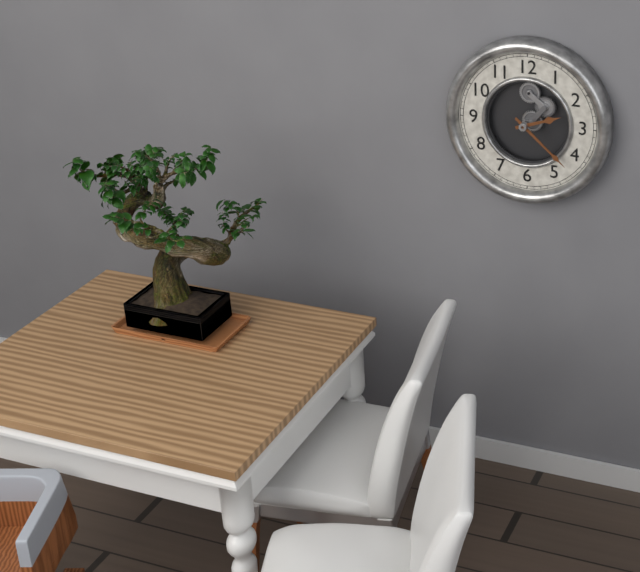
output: h=2 m=22
